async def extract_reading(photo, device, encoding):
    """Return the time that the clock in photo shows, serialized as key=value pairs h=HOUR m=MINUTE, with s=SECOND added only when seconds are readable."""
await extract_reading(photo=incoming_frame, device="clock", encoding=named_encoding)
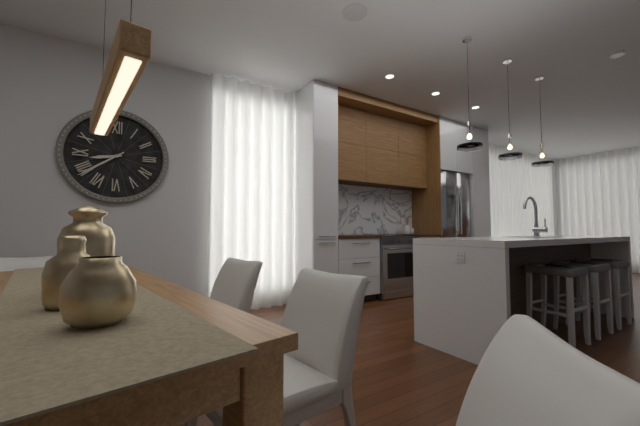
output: h=8 m=39
